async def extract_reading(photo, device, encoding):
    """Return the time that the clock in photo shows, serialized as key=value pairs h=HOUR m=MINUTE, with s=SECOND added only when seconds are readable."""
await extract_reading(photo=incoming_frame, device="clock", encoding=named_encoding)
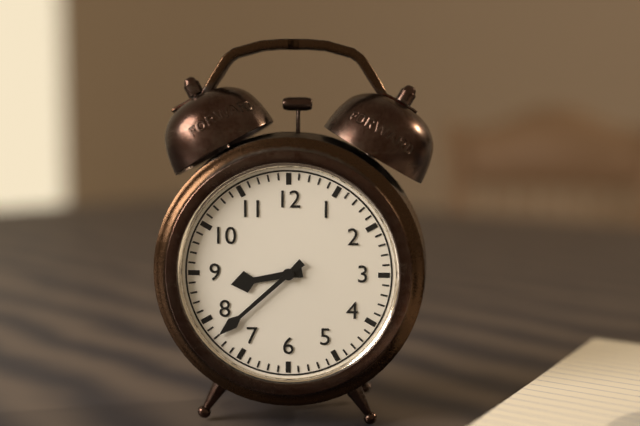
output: h=8 m=38
